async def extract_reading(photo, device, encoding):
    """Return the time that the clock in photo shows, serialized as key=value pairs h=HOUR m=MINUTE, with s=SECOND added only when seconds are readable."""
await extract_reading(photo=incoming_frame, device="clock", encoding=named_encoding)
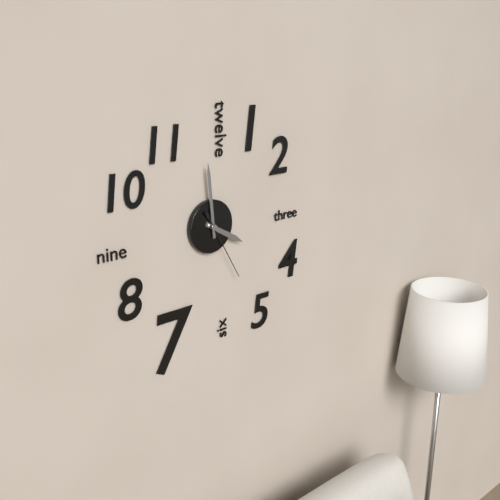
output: h=3 m=59 s=25
